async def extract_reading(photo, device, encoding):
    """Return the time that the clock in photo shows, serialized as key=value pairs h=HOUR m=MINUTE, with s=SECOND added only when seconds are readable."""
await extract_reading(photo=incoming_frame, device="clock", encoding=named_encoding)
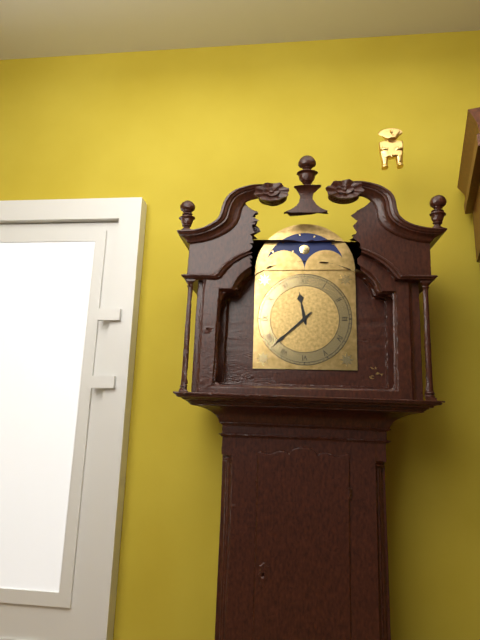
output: h=11 m=38
